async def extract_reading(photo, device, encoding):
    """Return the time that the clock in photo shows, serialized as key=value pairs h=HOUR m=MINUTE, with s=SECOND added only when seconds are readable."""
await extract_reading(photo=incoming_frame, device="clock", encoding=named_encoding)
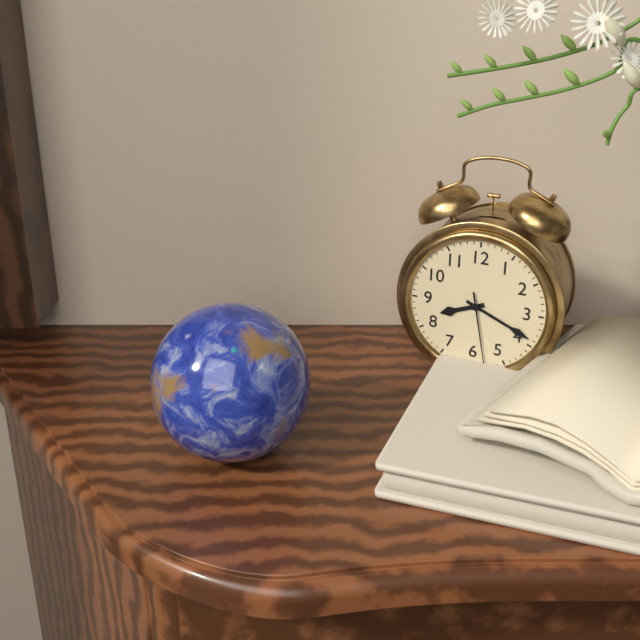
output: h=8 m=19 s=28
